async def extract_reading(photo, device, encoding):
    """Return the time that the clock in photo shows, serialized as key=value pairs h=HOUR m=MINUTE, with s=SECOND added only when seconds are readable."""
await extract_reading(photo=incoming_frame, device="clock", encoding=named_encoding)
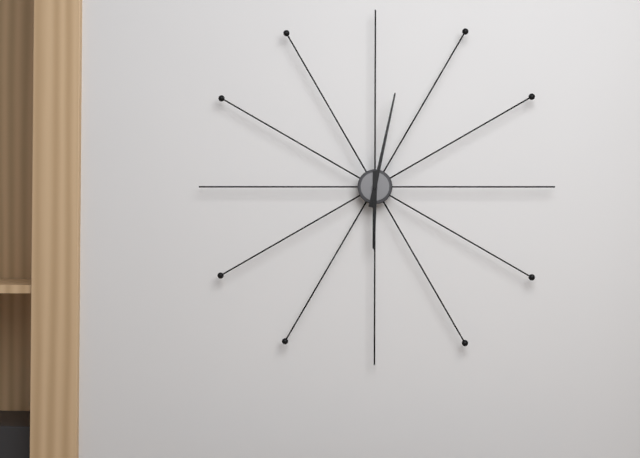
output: h=6 m=2
